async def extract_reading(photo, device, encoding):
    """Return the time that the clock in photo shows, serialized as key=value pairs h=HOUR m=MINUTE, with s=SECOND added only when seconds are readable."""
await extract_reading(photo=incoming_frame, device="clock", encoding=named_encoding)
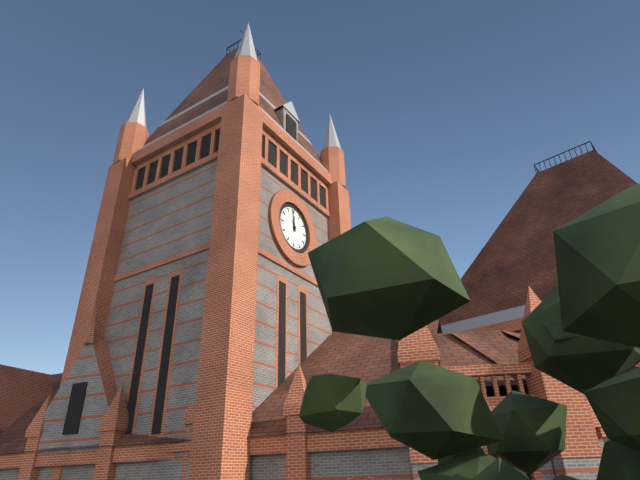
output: h=11 m=58
